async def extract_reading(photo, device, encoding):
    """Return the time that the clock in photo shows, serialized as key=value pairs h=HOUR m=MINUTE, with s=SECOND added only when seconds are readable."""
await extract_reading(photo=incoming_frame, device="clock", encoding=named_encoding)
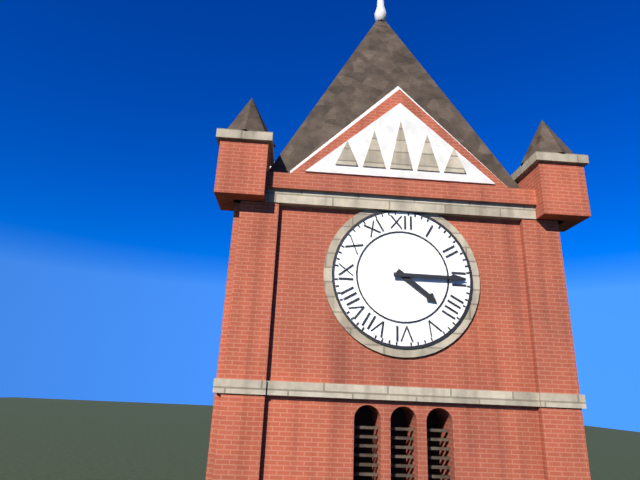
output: h=4 m=15
